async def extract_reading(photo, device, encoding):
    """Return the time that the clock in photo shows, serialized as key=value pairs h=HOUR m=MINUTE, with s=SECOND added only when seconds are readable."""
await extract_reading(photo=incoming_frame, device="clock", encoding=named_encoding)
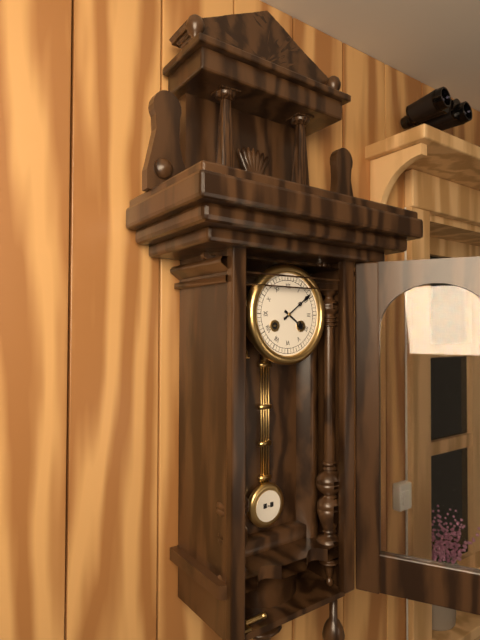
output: h=4 m=9
